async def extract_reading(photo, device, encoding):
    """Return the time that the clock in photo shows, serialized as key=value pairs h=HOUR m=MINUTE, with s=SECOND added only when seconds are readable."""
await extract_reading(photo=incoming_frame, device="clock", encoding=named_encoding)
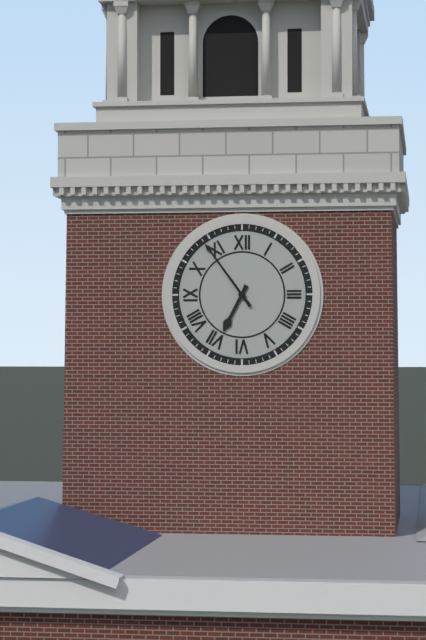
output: h=6 m=54
